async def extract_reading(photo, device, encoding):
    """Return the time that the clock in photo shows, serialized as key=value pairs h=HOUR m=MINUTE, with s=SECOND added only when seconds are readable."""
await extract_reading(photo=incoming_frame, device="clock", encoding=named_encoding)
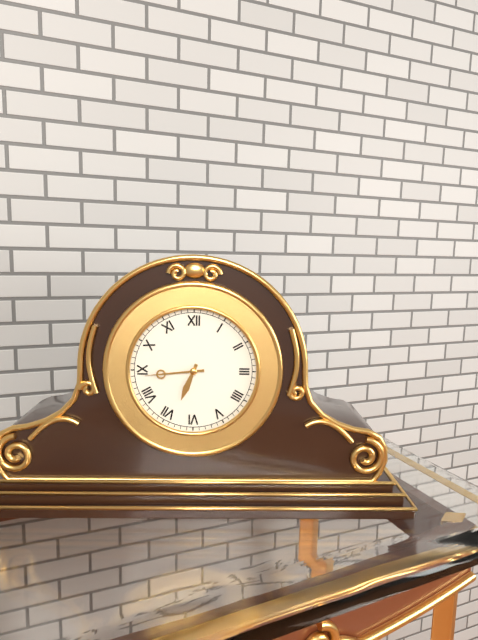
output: h=6 m=44
